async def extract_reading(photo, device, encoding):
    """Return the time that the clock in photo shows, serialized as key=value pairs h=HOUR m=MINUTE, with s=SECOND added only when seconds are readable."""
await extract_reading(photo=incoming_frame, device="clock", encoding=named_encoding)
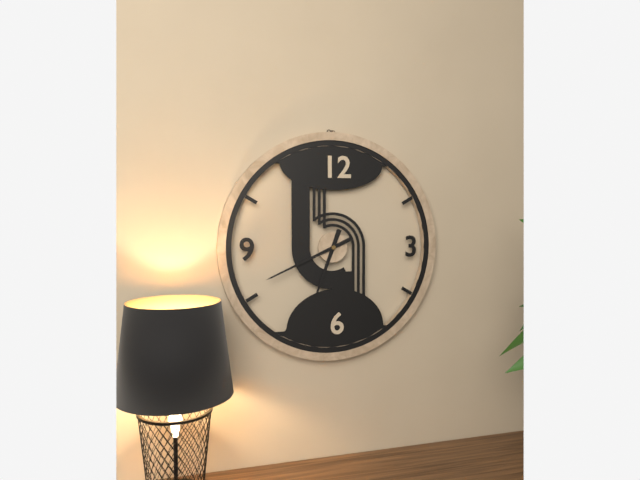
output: h=6 m=41
